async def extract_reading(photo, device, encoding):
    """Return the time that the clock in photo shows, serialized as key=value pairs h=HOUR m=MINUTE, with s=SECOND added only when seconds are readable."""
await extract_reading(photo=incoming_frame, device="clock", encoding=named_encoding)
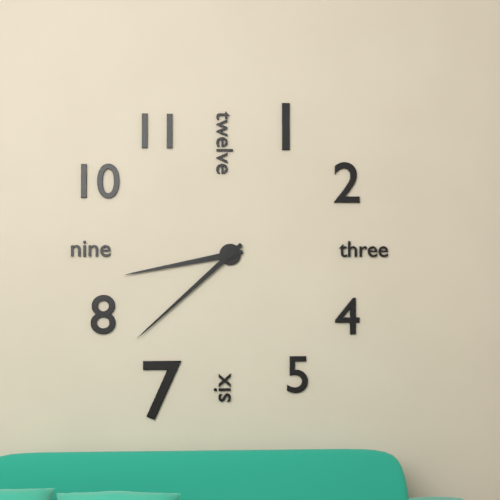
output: h=8 m=38
